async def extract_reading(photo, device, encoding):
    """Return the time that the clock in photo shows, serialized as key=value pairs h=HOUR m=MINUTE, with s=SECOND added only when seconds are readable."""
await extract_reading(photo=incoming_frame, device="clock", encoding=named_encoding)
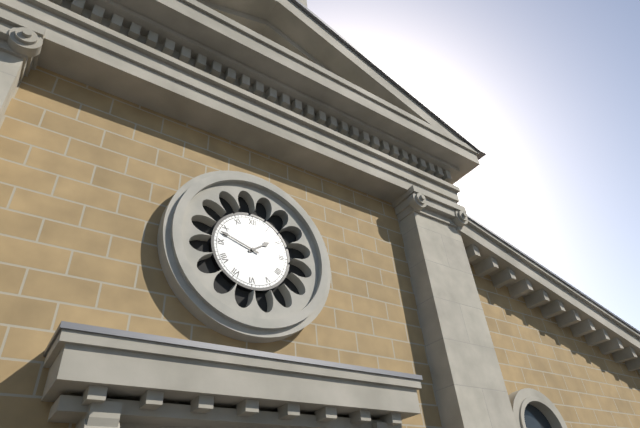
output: h=1 m=48
